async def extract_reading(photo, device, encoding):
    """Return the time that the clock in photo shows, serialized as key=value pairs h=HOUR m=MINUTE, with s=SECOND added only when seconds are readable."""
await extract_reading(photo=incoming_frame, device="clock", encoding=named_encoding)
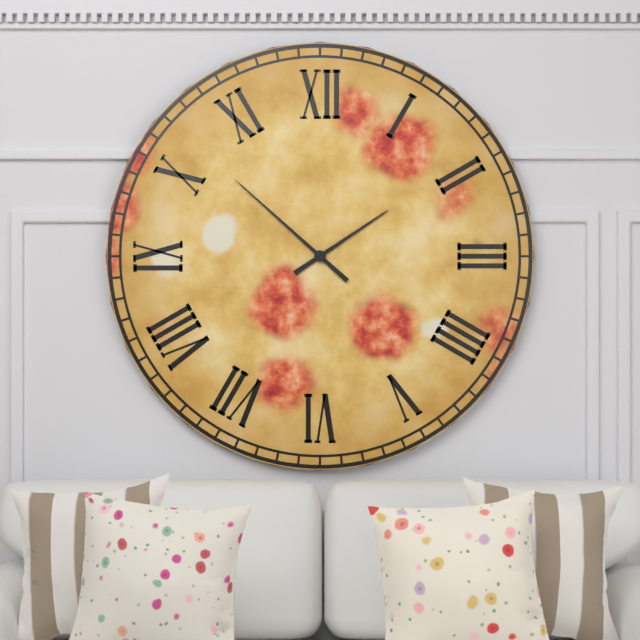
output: h=1 m=52
